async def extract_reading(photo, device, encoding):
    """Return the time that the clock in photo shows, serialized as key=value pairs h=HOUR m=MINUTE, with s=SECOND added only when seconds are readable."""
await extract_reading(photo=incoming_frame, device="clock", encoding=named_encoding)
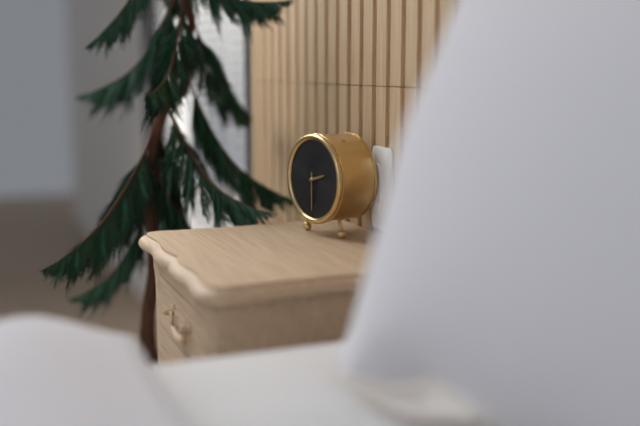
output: h=2 m=30
